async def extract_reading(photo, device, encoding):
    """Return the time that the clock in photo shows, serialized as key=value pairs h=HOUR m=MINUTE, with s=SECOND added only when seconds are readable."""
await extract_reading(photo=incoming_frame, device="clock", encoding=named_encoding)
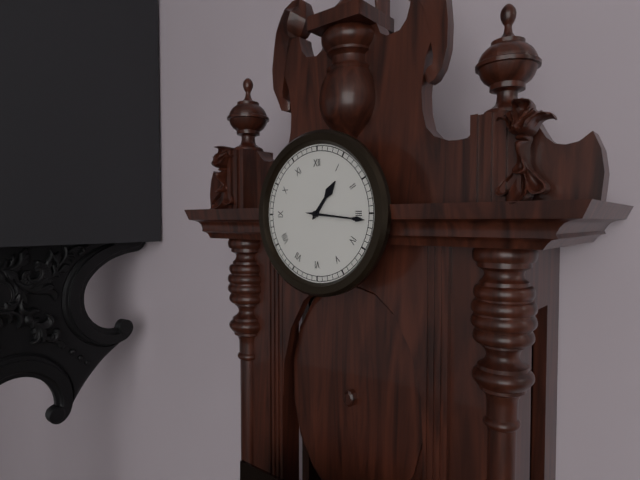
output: h=1 m=16
